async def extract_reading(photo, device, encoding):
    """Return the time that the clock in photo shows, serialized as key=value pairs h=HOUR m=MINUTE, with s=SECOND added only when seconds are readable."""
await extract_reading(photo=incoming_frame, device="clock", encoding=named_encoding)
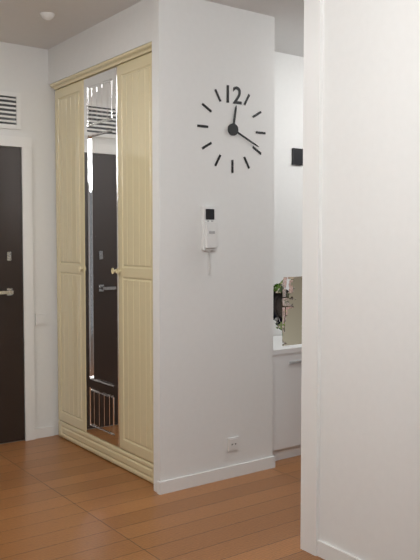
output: h=12 m=19
